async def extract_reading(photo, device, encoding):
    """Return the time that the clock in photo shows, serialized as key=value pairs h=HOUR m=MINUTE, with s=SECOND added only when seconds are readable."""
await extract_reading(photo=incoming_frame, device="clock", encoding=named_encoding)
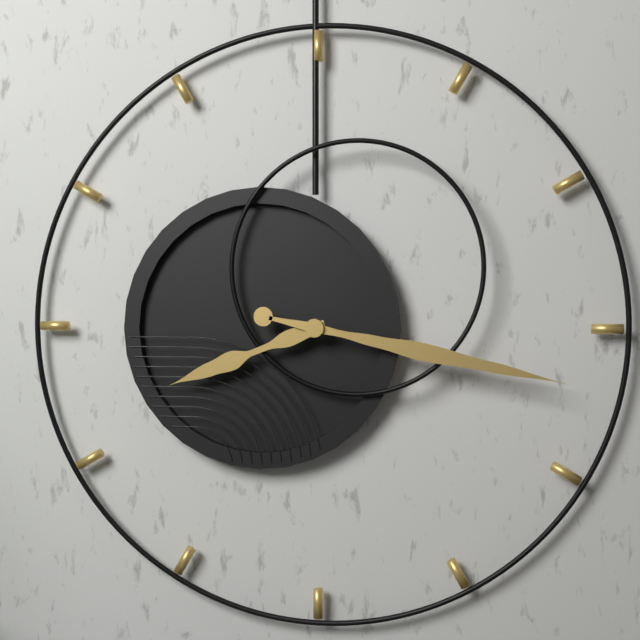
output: h=8 m=17
